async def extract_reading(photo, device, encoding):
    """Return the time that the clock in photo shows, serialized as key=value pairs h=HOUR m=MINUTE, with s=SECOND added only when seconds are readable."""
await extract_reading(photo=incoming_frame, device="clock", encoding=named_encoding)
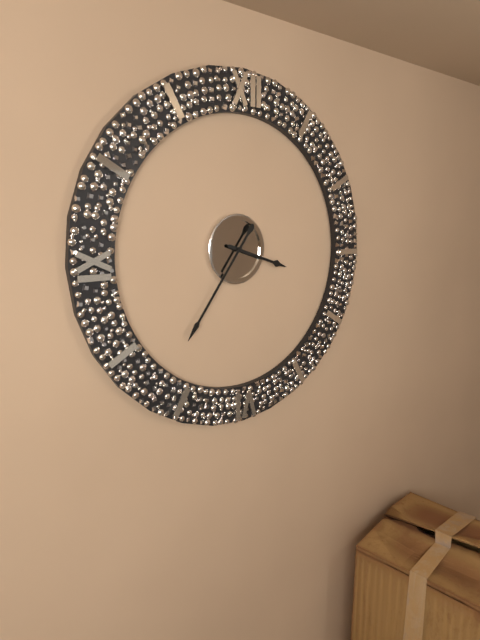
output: h=3 m=36
